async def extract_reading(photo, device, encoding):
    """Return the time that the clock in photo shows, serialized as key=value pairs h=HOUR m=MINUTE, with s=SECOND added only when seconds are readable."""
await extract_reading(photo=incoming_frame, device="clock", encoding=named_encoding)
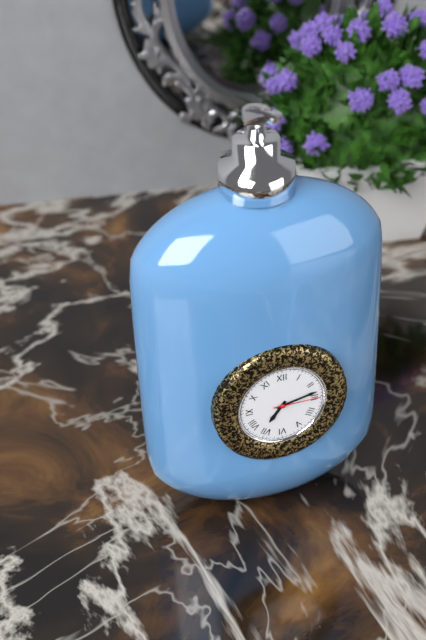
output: h=7 m=13
